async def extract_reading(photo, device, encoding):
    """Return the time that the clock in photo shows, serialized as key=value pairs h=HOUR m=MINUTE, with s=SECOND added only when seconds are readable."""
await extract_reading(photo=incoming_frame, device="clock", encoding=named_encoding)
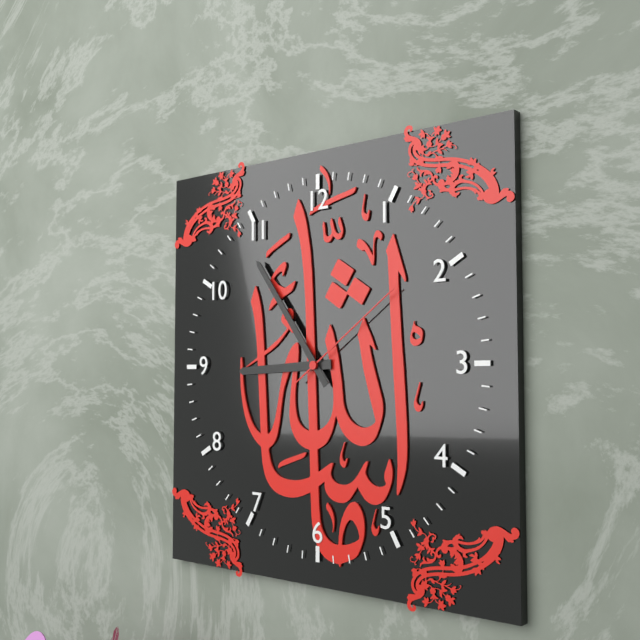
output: h=8 m=54 s=9
